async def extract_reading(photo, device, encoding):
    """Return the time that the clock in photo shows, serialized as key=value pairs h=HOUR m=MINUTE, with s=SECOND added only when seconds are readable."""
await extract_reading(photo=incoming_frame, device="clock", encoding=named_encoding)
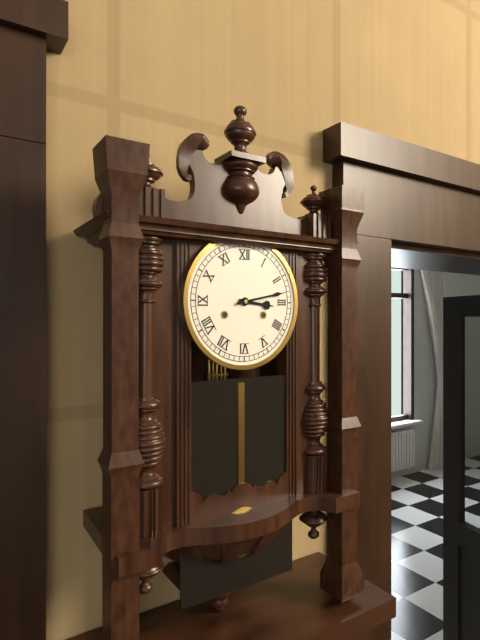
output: h=3 m=13
